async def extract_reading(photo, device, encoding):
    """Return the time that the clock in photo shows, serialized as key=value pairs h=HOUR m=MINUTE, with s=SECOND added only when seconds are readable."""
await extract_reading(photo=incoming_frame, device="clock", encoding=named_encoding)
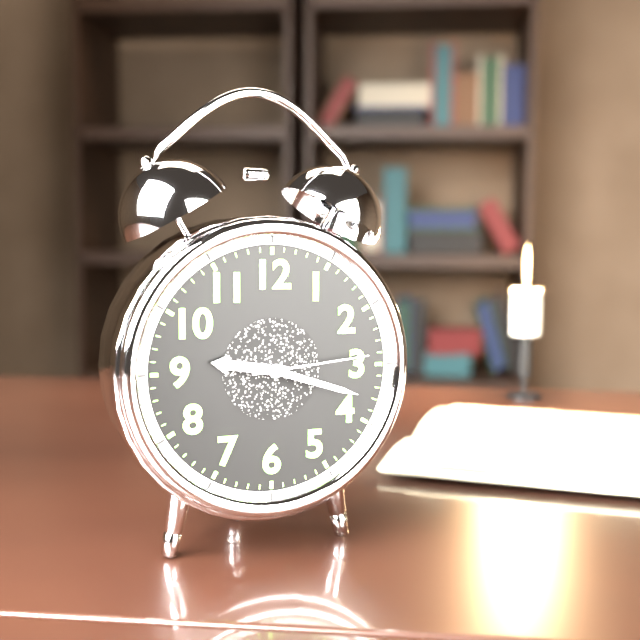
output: h=9 m=18 s=14
